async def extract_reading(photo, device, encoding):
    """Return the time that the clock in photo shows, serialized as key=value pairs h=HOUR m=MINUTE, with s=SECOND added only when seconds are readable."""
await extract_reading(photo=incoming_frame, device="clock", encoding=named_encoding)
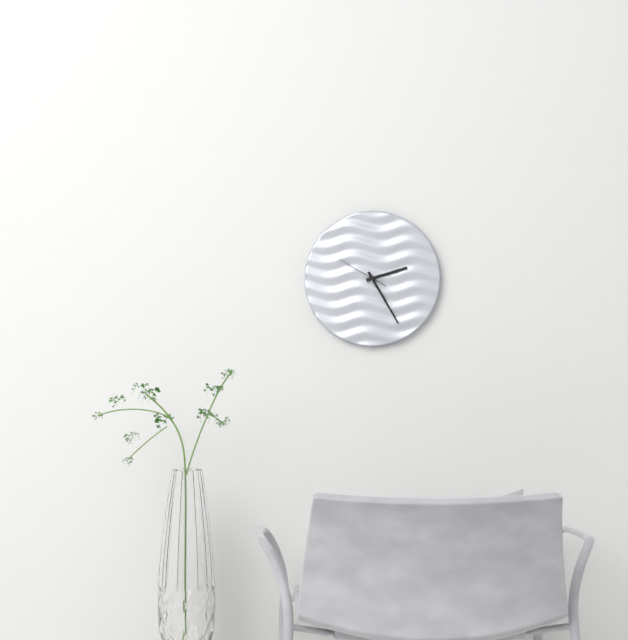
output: h=2 m=25
